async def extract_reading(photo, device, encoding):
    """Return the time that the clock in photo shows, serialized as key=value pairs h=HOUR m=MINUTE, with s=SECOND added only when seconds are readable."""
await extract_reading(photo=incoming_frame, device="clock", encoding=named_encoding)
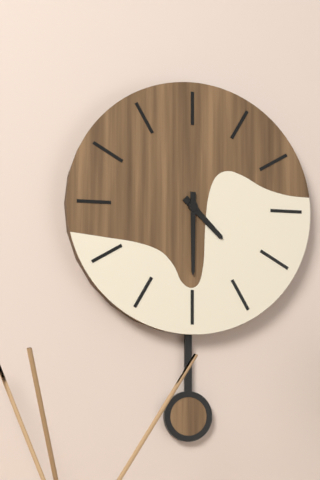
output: h=4 m=30
